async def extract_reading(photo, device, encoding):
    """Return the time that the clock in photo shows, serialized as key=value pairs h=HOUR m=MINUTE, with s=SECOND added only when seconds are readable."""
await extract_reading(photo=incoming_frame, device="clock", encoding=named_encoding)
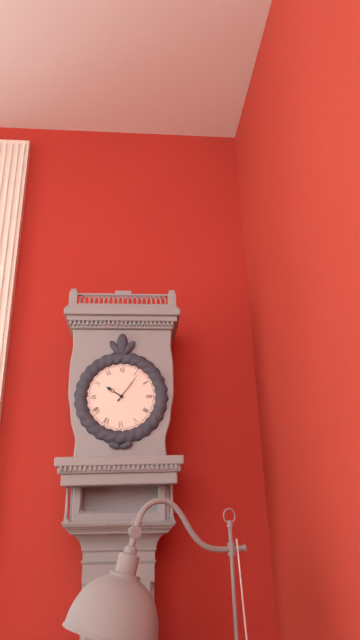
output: h=10 m=6
